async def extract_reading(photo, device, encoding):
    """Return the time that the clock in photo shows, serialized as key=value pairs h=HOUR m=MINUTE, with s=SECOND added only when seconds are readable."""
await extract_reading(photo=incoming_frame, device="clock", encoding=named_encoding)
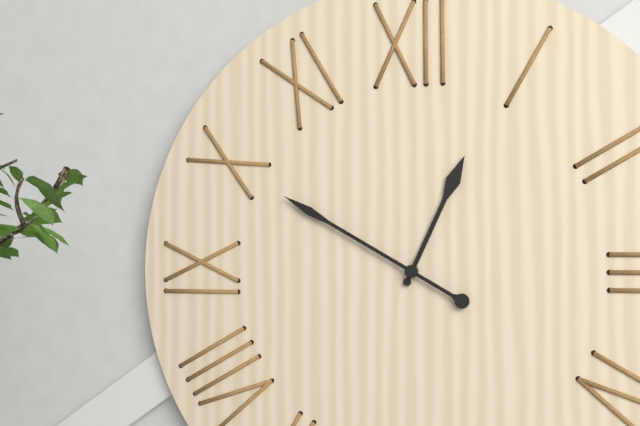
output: h=12 m=50
